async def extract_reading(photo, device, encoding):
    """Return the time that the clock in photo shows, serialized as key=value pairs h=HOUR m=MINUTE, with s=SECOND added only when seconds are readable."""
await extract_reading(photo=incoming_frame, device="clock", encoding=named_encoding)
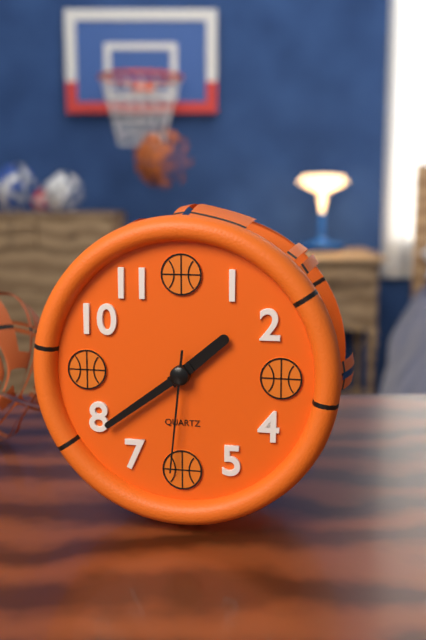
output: h=1 m=39 s=31
